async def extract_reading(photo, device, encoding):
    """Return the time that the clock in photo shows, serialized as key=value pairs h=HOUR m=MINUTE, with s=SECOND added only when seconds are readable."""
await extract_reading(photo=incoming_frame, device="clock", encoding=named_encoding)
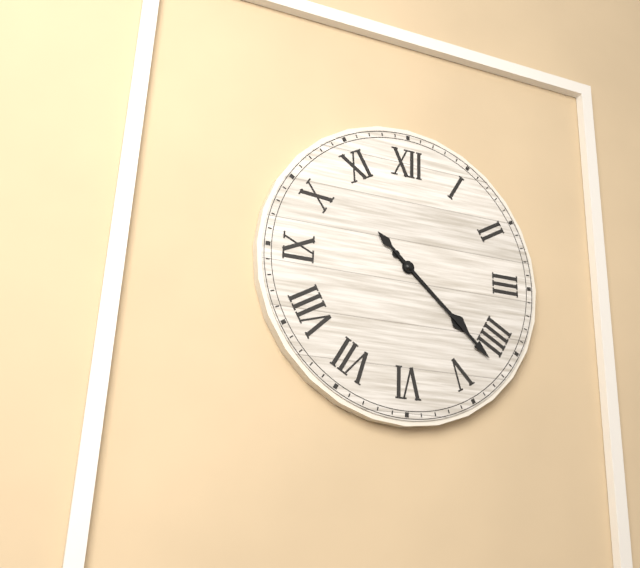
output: h=4 m=22
